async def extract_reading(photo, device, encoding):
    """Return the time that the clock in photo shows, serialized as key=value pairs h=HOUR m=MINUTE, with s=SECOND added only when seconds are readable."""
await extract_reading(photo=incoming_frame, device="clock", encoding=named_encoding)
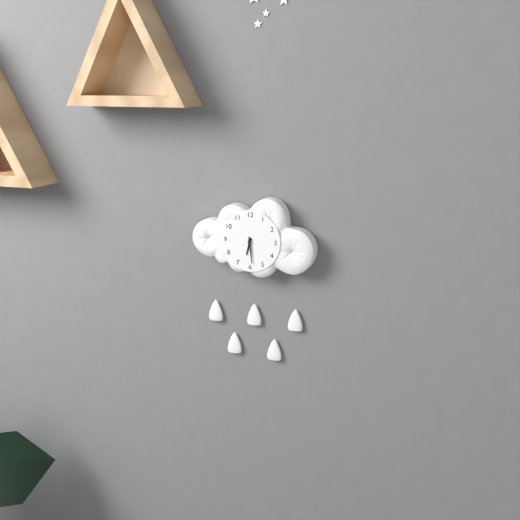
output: h=6 m=29
